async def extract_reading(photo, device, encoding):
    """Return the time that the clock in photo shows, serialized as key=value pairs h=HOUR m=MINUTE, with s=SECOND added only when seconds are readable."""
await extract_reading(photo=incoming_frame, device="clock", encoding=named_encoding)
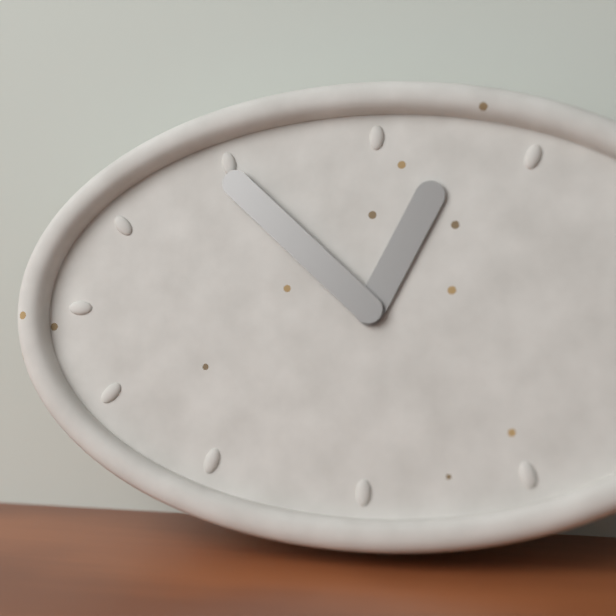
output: h=12 m=52
